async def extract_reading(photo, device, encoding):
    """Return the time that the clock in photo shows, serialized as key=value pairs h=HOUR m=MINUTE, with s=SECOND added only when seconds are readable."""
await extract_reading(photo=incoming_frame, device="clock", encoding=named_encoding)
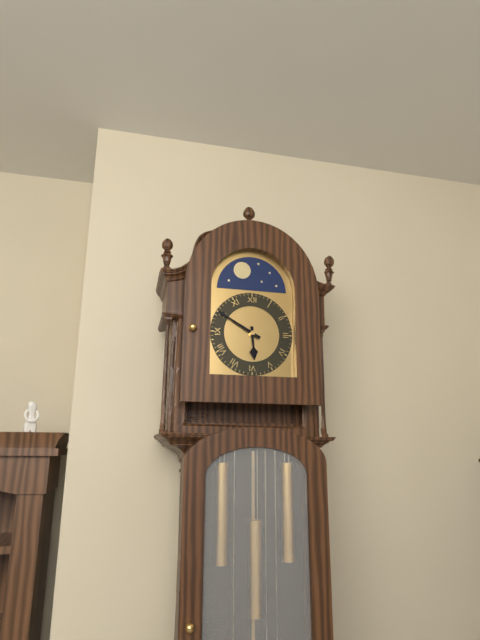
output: h=5 m=50
